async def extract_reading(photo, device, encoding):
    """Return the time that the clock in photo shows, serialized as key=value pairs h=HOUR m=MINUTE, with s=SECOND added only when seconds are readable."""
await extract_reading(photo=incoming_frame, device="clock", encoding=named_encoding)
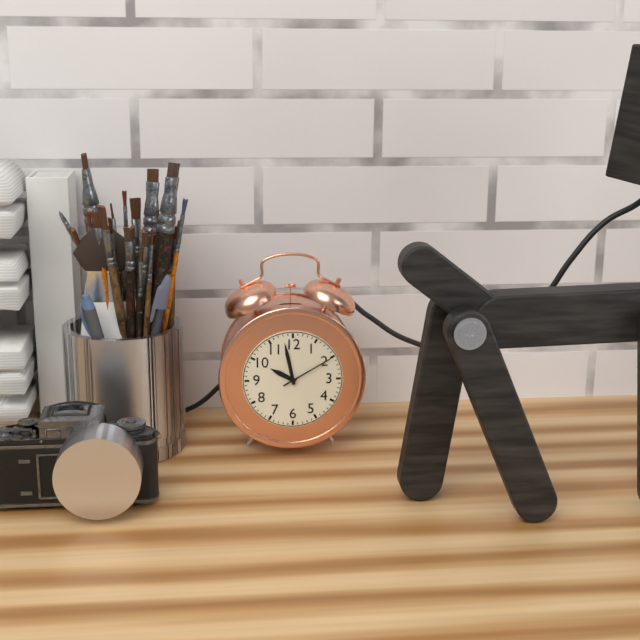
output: h=9 m=58 s=10
